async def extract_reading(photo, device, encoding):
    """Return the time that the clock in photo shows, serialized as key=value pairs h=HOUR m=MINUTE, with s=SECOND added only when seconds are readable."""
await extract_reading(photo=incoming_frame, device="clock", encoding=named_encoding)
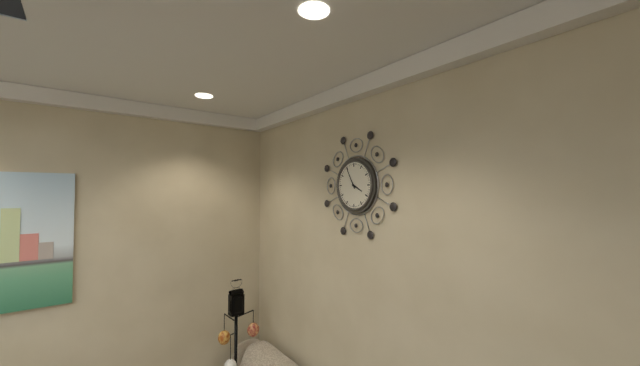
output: h=3 m=55
